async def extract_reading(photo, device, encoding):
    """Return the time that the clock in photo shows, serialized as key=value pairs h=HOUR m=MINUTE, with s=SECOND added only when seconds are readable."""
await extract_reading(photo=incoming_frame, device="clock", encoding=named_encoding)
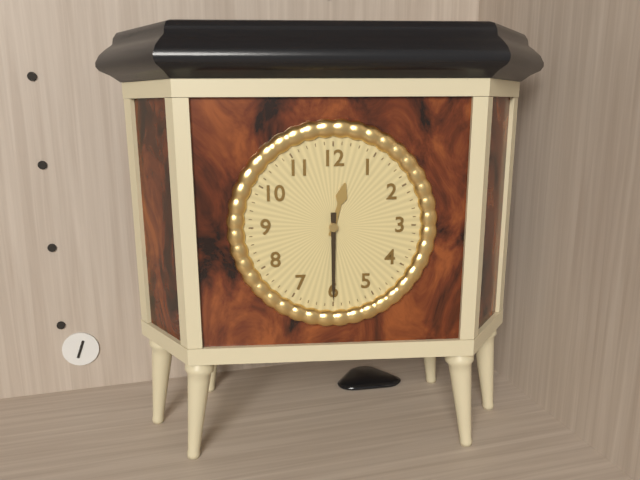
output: h=12 m=30
